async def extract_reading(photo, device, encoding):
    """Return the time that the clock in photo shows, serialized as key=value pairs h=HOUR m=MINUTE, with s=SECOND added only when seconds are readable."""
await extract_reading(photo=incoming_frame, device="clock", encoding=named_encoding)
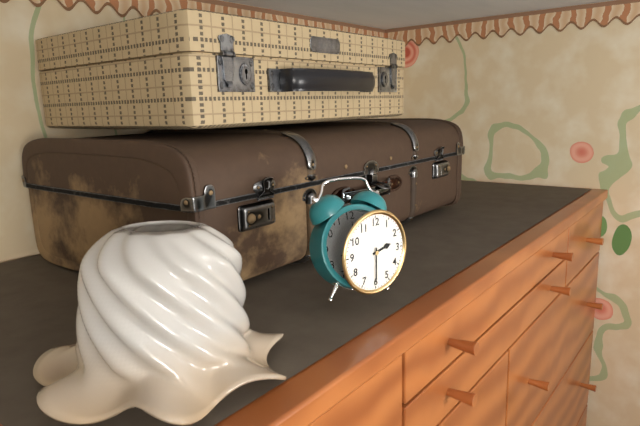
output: h=2 m=30
